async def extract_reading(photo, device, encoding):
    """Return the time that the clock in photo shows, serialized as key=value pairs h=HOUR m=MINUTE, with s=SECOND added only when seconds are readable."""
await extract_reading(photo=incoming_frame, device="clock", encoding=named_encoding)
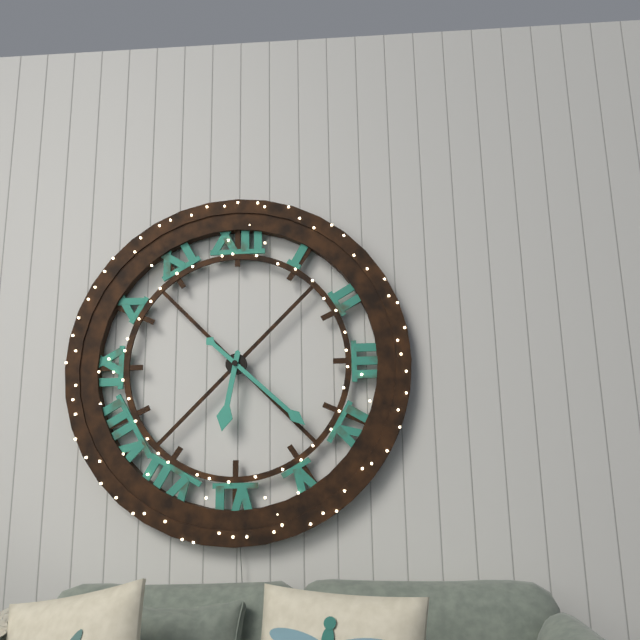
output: h=6 m=22
